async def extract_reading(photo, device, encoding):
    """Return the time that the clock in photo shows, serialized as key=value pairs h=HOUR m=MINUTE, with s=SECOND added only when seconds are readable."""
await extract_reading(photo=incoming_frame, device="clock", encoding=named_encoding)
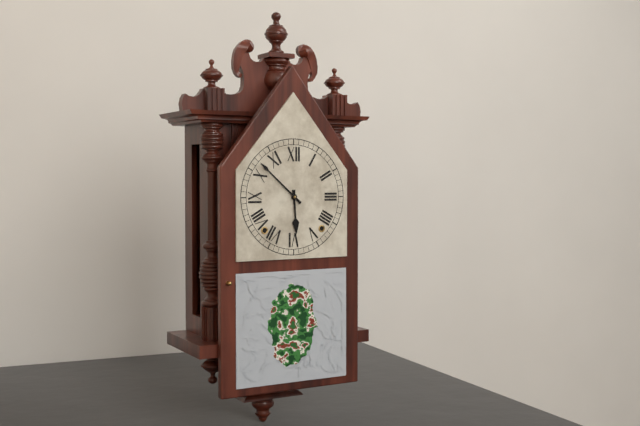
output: h=5 m=52
